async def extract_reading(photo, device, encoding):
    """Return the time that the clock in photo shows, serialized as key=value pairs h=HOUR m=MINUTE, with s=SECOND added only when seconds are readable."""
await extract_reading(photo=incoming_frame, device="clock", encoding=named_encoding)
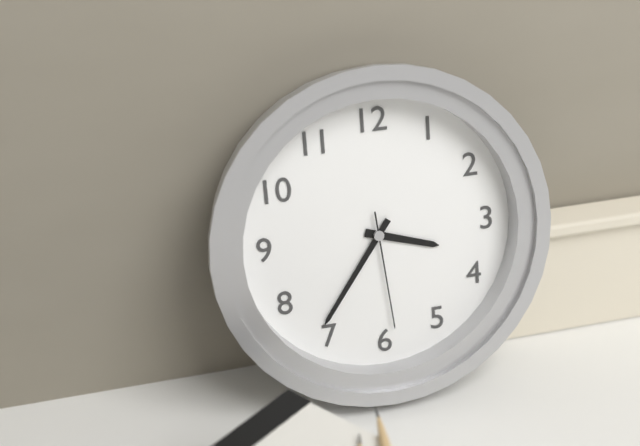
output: h=3 m=36 s=29
